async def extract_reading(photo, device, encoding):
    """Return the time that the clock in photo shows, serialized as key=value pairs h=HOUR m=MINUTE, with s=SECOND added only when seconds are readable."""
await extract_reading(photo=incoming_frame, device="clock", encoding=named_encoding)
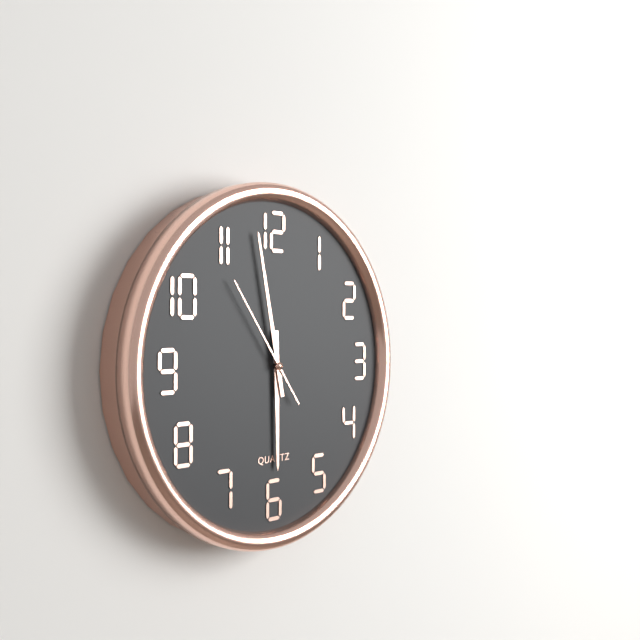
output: h=5 m=58 s=54
